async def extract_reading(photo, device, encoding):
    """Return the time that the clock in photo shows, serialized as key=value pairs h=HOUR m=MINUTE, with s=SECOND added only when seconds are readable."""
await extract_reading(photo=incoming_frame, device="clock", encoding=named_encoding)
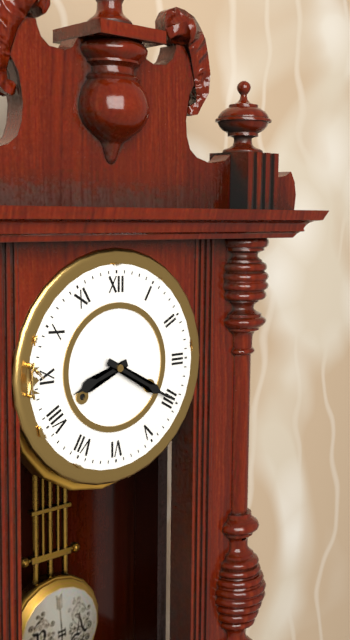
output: h=8 m=20
